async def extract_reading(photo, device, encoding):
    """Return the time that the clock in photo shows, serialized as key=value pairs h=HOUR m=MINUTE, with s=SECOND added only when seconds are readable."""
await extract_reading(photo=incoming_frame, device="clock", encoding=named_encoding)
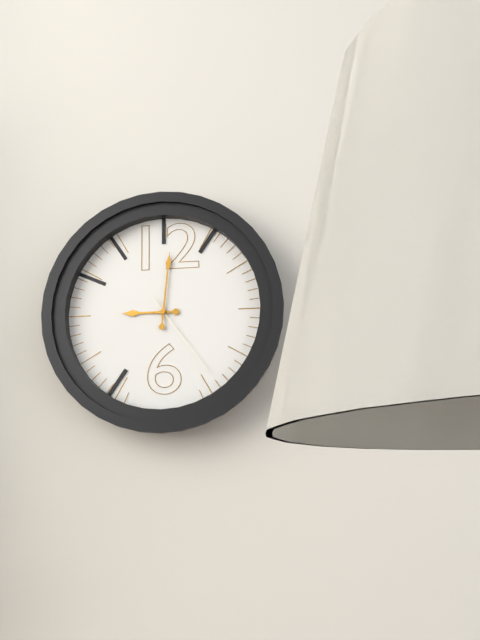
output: h=9 m=1 s=24
